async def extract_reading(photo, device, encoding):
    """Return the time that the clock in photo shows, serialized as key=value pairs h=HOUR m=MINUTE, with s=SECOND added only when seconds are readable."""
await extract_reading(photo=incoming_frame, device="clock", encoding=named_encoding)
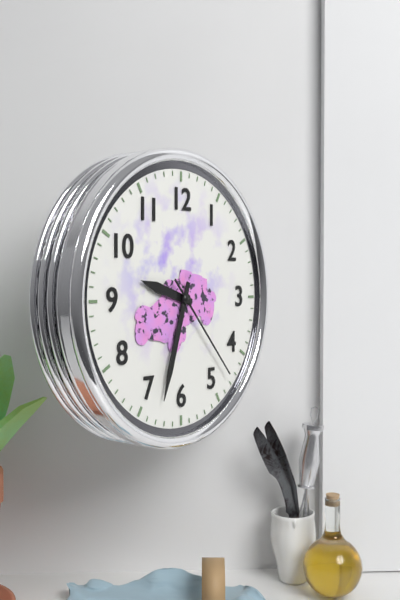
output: h=9 m=33 s=23
